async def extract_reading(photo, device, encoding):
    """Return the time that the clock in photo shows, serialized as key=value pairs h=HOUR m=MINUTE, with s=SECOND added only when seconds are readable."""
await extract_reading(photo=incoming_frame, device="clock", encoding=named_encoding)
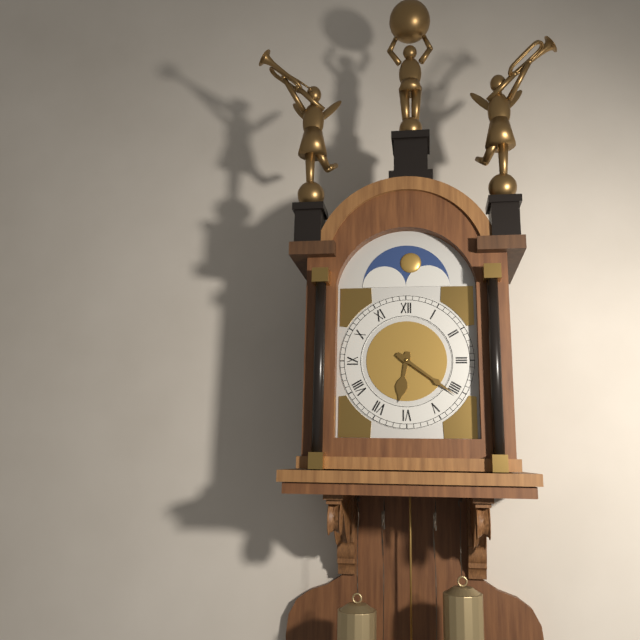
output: h=6 m=21
